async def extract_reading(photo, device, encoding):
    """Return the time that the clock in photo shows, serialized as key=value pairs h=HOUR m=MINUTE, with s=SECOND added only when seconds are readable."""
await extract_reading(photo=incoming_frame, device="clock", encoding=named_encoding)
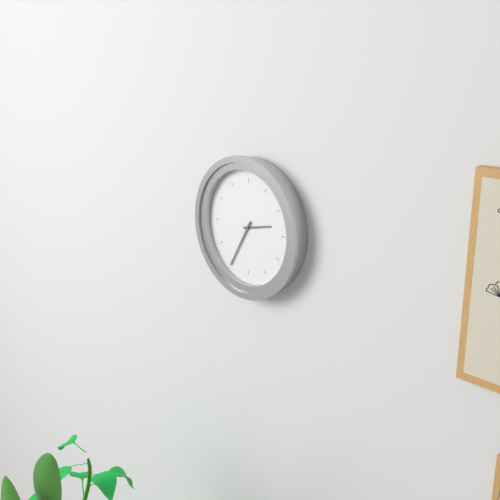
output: h=2 m=35
